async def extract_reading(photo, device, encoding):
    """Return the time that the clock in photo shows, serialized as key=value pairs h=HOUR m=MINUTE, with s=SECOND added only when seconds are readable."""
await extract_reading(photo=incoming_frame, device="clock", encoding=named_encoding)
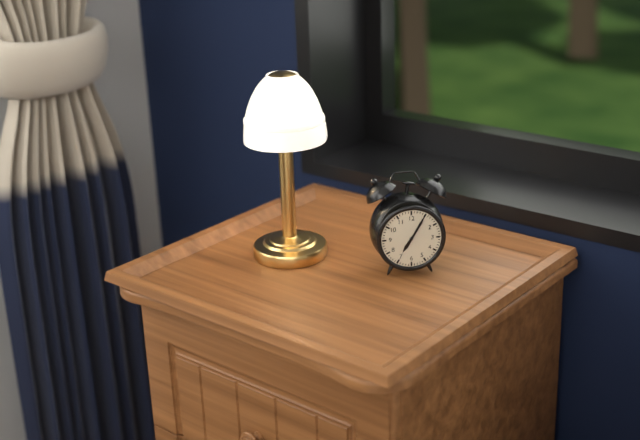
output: h=7 m=5
